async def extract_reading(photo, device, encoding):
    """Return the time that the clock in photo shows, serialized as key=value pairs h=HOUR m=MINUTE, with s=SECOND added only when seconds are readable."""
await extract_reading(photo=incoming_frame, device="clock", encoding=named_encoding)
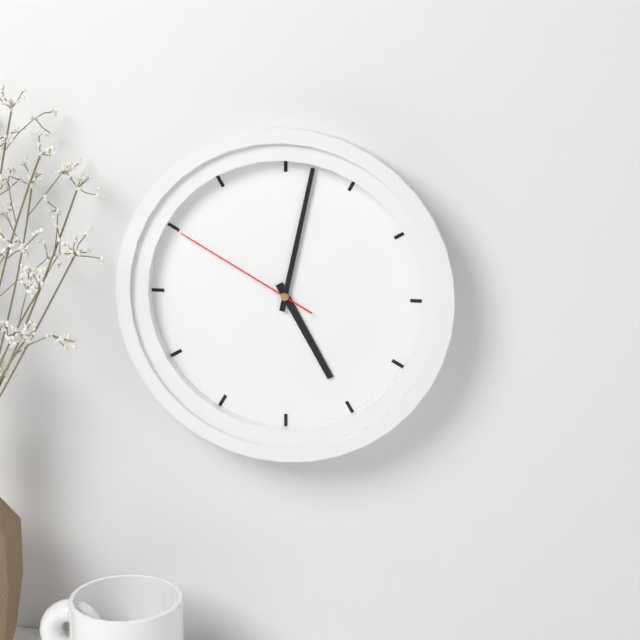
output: h=5 m=2 s=50
